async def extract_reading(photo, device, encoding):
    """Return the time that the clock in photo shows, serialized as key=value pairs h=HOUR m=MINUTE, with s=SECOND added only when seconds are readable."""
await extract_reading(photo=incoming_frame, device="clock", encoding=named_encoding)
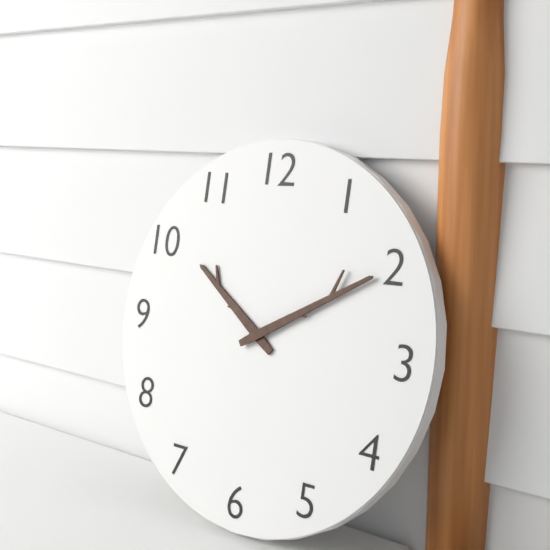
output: h=10 m=10
